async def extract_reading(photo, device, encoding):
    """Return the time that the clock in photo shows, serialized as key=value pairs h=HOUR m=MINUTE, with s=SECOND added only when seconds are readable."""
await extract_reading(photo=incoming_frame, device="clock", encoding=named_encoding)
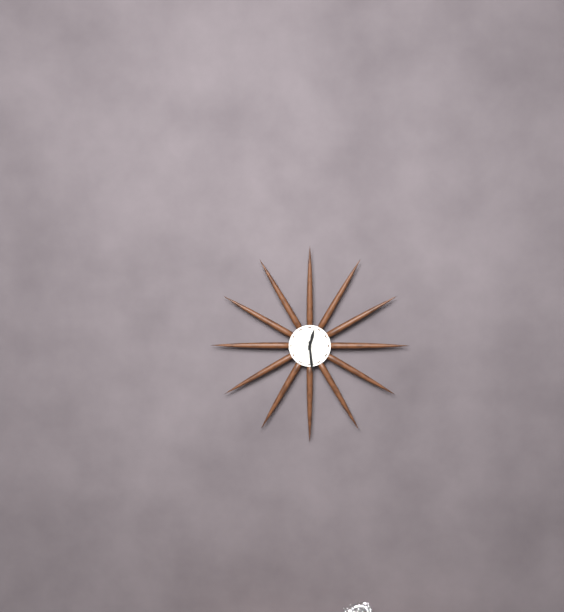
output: h=12 m=29
